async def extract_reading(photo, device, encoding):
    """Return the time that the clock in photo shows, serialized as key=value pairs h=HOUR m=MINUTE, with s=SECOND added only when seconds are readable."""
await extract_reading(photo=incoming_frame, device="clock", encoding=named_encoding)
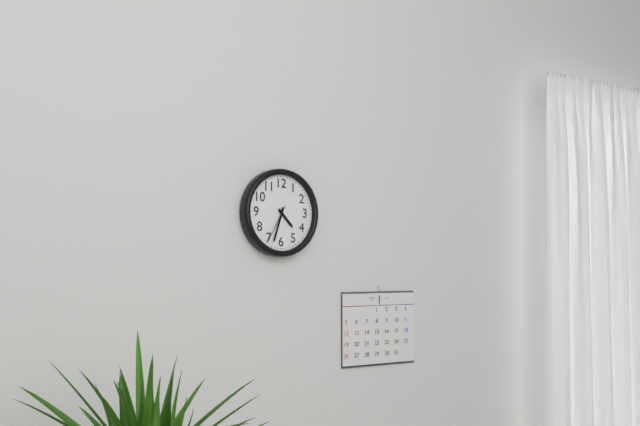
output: h=4 m=33
